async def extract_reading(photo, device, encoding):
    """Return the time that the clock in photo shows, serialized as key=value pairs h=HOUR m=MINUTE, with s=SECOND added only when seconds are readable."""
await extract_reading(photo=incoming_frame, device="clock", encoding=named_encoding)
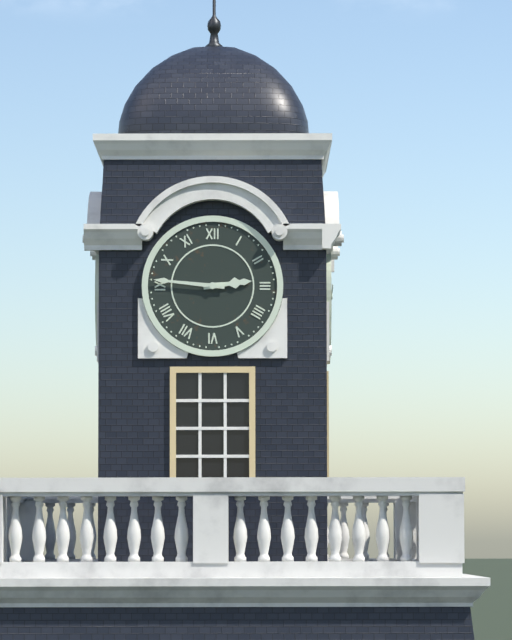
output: h=2 m=46
